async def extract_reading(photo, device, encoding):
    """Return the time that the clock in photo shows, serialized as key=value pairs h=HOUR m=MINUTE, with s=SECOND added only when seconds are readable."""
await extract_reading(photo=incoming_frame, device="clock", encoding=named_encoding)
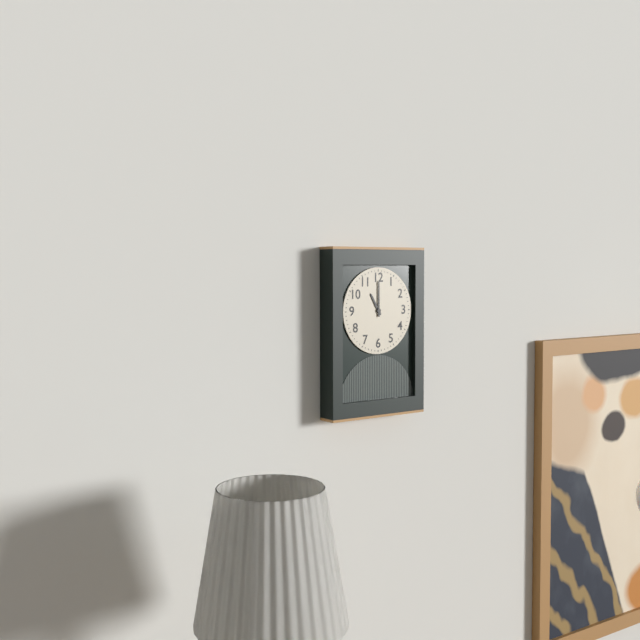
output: h=11 m=0
